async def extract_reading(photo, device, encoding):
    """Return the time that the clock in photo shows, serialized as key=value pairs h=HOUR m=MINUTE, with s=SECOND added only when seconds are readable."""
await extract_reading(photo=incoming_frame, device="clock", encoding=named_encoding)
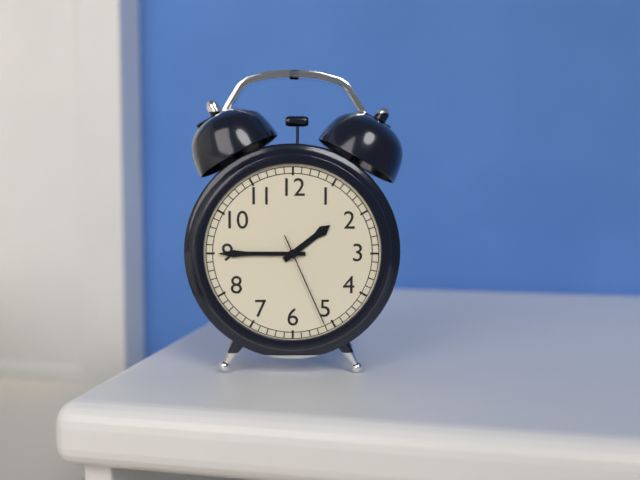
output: h=1 m=45 s=26
